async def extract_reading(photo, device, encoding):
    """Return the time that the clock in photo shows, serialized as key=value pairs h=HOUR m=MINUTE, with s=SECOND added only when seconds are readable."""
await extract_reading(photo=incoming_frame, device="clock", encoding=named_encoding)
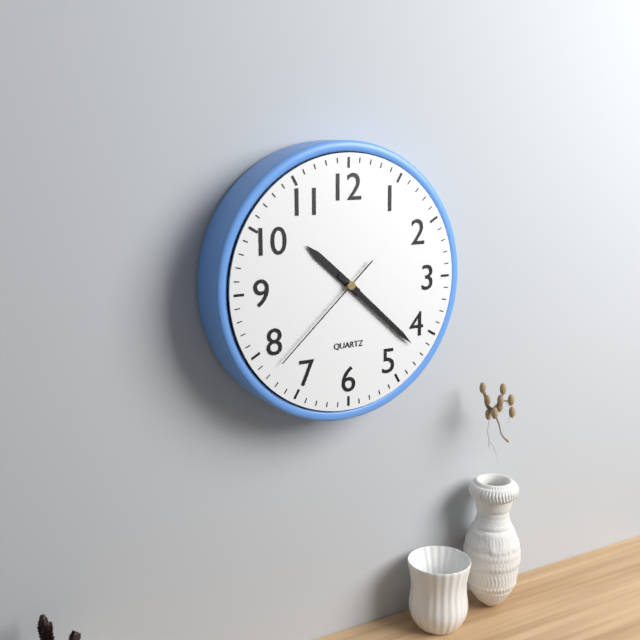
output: h=10 m=22 s=38
